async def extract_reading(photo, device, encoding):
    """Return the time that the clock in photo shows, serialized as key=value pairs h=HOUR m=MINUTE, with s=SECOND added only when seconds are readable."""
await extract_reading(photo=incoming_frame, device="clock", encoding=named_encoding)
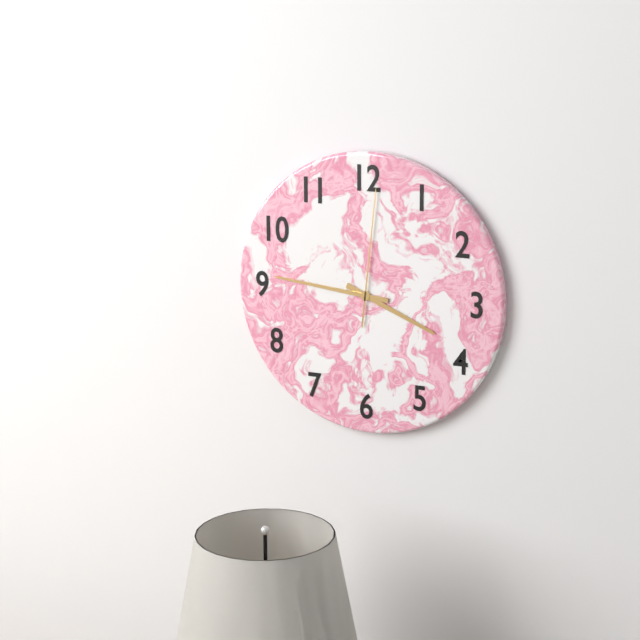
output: h=3 m=46 s=1
